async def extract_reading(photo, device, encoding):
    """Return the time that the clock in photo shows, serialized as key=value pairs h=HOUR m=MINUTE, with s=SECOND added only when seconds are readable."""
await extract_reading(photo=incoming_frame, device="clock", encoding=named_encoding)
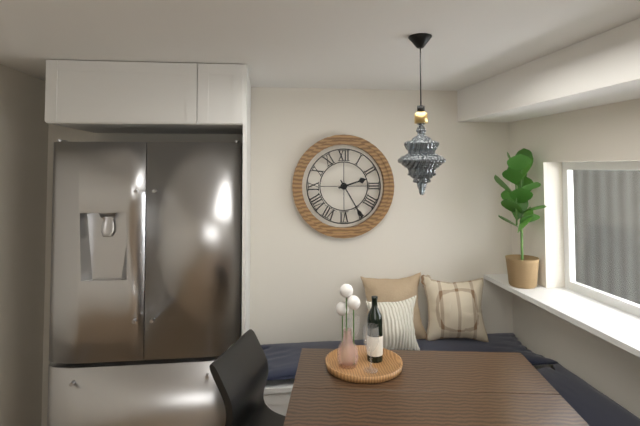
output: h=2 m=25
